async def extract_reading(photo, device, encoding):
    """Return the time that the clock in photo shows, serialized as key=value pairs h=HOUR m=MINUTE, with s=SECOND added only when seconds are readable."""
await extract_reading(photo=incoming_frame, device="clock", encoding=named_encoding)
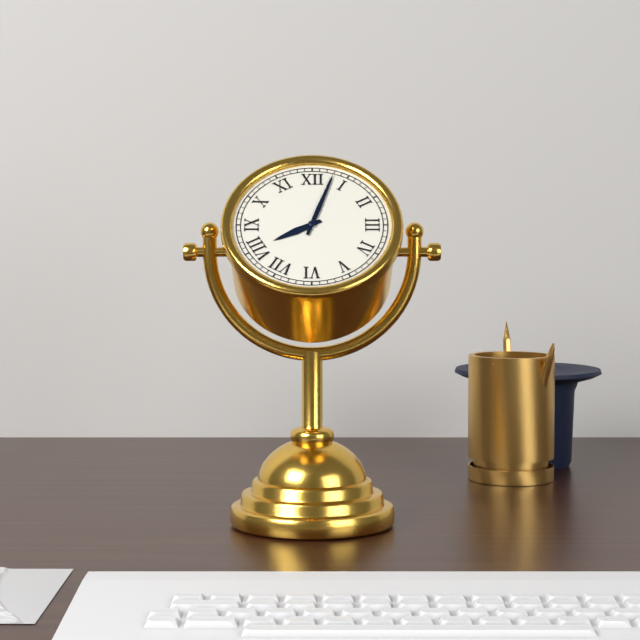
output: h=8 m=3
